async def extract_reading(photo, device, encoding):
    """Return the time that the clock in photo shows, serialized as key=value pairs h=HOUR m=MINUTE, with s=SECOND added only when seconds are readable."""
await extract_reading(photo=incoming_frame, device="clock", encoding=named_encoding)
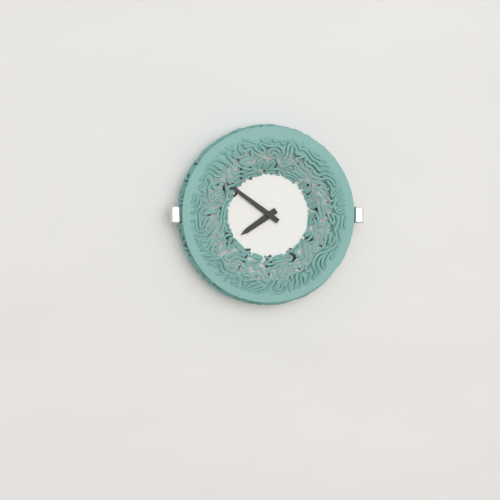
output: h=7 m=51
